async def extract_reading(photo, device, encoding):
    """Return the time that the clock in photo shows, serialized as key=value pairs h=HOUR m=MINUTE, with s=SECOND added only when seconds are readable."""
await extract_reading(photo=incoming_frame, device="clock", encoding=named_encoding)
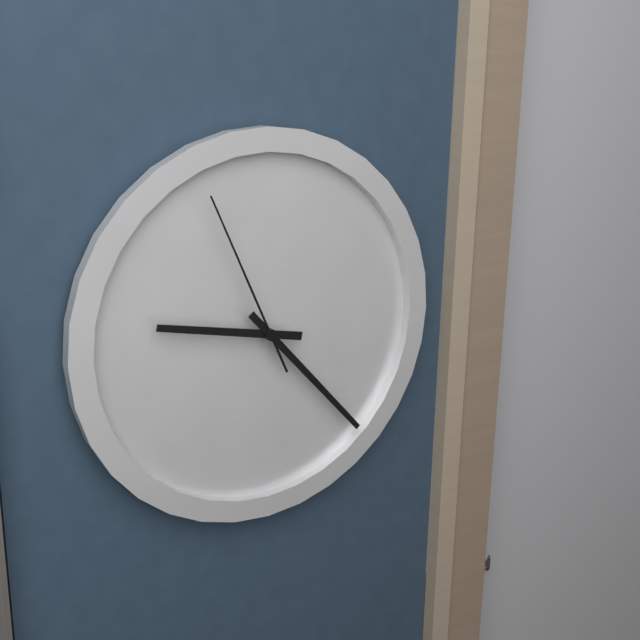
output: h=9 m=23 s=56
